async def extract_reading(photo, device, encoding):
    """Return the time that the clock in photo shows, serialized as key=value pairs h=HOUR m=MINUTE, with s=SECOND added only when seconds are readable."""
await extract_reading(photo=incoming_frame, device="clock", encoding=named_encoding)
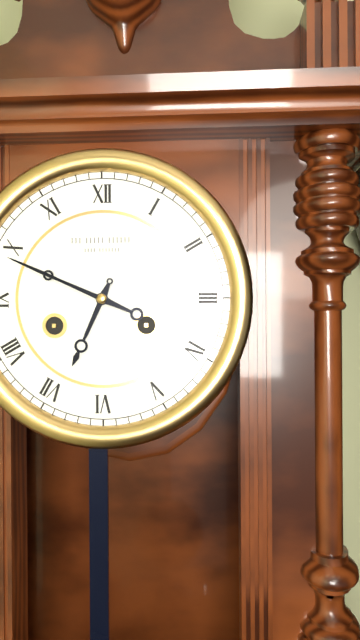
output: h=6 m=49
